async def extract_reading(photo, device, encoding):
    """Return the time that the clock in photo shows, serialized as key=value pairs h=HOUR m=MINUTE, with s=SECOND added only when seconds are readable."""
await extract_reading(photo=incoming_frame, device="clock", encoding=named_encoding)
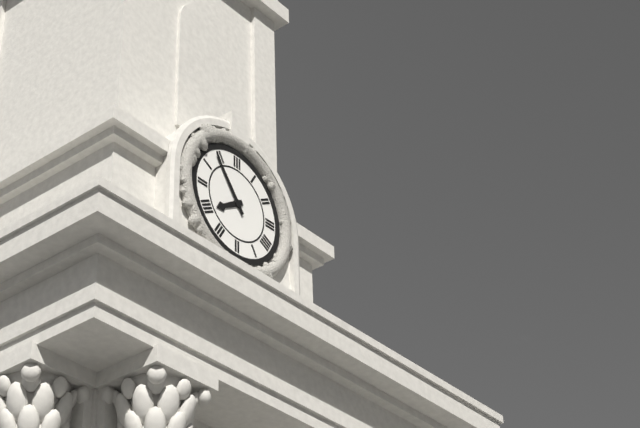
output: h=7 m=54
